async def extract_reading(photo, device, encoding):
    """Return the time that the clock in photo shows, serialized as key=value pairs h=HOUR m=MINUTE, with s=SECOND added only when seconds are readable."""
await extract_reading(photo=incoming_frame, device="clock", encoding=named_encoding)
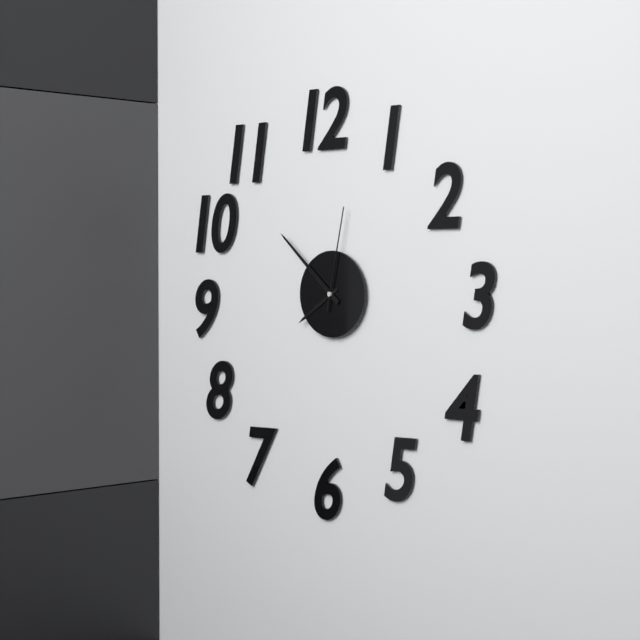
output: h=7 m=52 s=2
